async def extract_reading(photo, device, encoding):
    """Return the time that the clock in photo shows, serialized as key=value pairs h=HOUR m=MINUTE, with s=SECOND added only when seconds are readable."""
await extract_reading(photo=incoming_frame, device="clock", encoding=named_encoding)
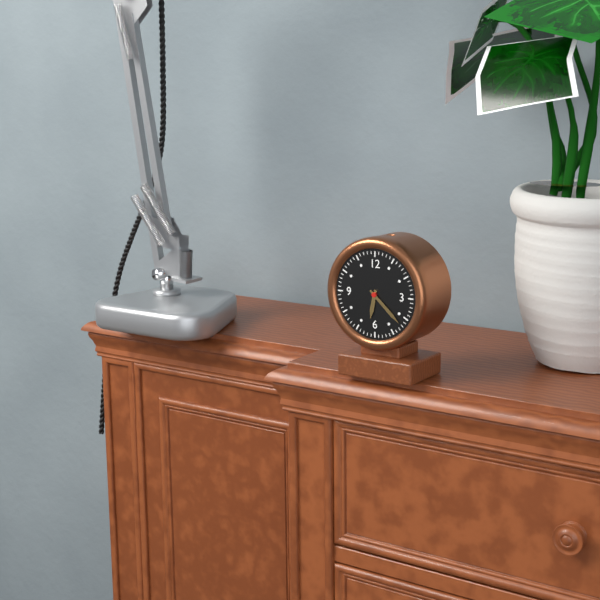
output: h=6 m=22
